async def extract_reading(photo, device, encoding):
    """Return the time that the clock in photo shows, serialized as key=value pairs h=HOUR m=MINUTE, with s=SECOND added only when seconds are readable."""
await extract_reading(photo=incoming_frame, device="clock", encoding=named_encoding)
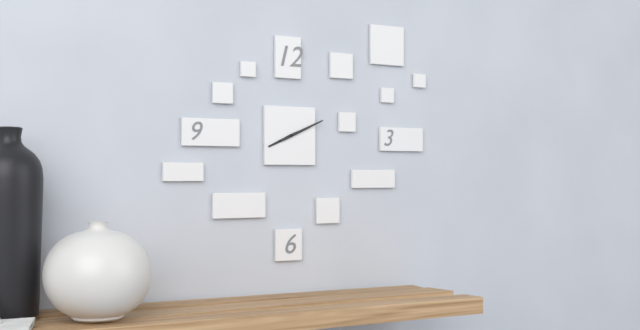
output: h=8 m=11
